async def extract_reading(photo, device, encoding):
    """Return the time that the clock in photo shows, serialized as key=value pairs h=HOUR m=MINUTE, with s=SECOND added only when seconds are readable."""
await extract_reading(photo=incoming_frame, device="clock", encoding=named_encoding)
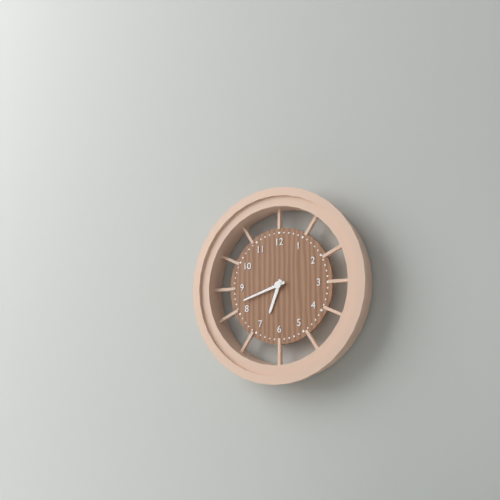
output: h=6 m=42
